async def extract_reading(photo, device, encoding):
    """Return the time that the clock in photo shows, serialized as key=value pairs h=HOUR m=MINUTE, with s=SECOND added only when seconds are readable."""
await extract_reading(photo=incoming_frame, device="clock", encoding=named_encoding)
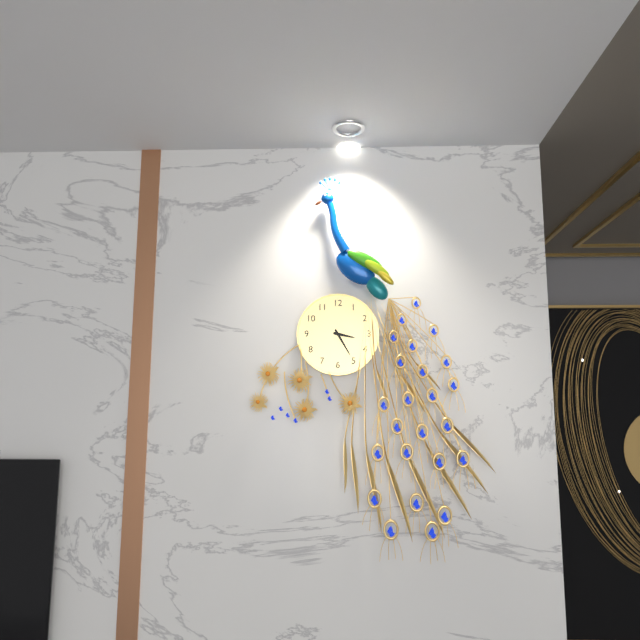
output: h=3 m=25
